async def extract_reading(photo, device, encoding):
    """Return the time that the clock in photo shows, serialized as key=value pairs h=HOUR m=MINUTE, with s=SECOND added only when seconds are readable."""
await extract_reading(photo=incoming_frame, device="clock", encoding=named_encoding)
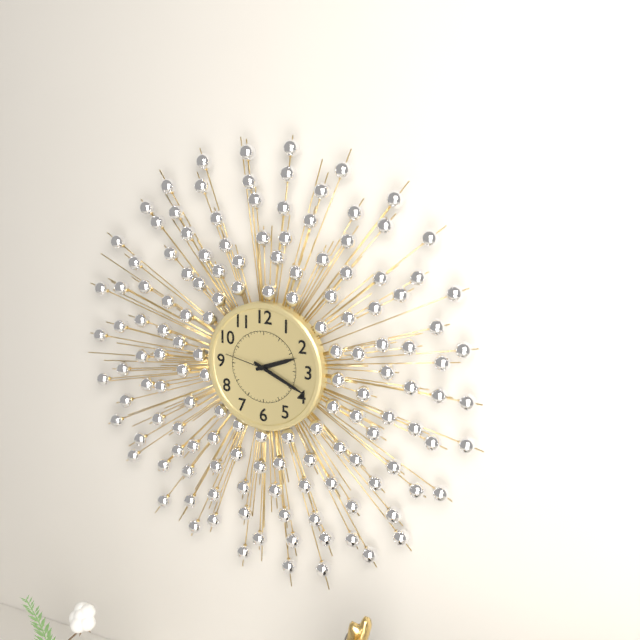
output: h=2 m=19
